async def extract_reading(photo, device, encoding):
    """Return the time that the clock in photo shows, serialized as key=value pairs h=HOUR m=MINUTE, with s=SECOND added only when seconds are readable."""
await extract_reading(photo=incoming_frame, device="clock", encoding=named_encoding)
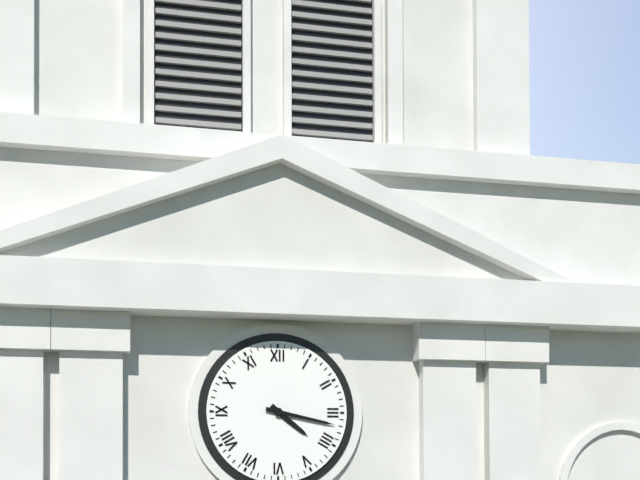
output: h=4 m=17
